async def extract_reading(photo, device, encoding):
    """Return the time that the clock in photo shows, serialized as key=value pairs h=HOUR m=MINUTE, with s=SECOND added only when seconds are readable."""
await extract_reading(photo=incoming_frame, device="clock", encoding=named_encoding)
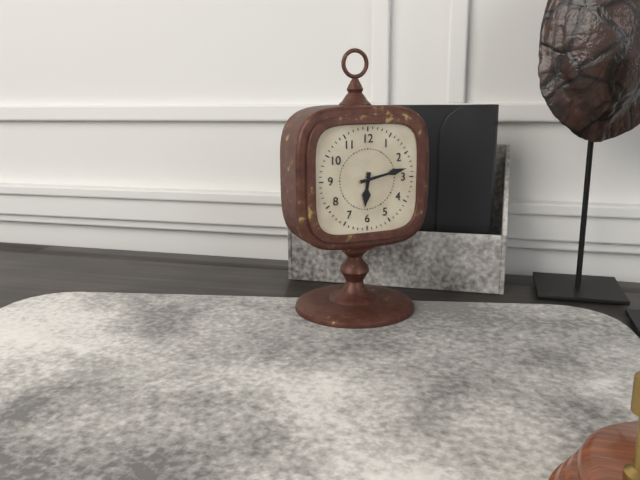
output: h=6 m=13
